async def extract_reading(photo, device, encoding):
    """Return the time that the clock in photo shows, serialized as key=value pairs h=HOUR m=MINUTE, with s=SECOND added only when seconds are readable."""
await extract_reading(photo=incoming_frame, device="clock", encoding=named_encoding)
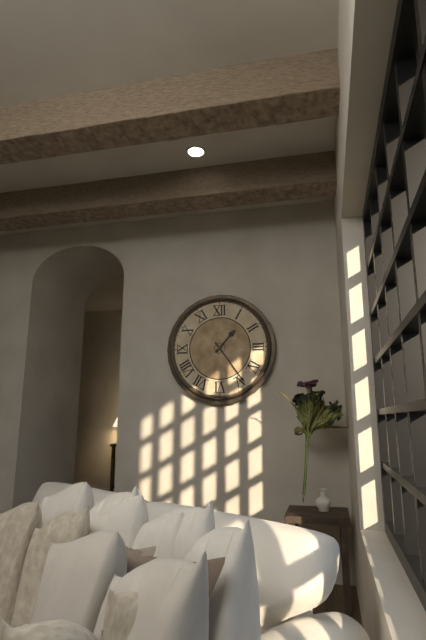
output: h=1 m=24
